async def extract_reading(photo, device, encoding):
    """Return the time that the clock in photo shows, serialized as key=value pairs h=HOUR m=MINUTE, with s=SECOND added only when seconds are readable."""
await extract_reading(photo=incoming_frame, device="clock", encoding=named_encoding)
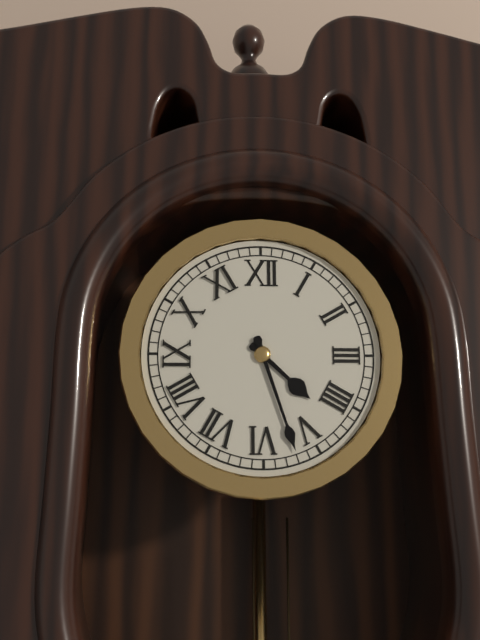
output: h=4 m=27
